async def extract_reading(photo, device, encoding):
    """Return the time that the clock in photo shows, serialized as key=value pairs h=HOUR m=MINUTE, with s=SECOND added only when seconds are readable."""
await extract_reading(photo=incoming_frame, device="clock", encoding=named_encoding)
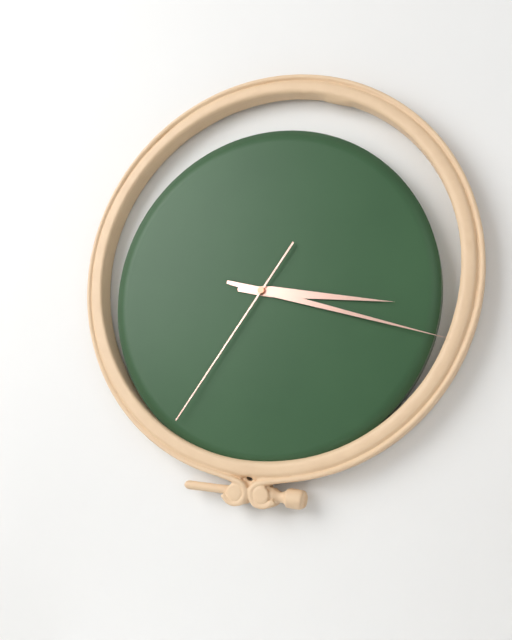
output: h=3 m=18 s=36
